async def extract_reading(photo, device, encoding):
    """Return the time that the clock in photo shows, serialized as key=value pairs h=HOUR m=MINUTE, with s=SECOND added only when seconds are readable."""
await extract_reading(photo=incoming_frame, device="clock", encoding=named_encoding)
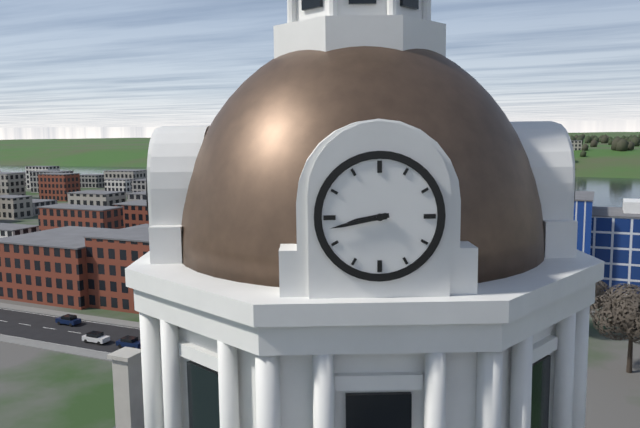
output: h=8 m=43
